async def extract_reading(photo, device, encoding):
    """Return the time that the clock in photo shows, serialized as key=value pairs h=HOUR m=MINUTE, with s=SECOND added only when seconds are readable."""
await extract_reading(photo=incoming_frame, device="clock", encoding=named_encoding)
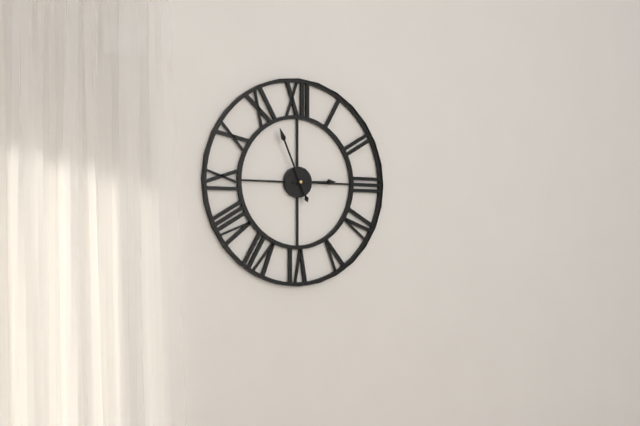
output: h=2 m=56
